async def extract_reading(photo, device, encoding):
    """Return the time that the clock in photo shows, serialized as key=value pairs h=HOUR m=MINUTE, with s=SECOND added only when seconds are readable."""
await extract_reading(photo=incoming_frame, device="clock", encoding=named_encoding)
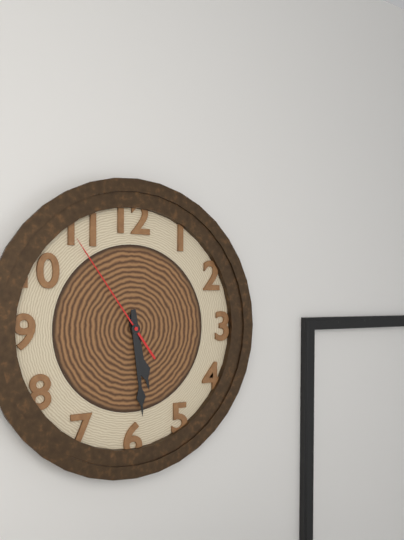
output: h=5 m=29 s=54
